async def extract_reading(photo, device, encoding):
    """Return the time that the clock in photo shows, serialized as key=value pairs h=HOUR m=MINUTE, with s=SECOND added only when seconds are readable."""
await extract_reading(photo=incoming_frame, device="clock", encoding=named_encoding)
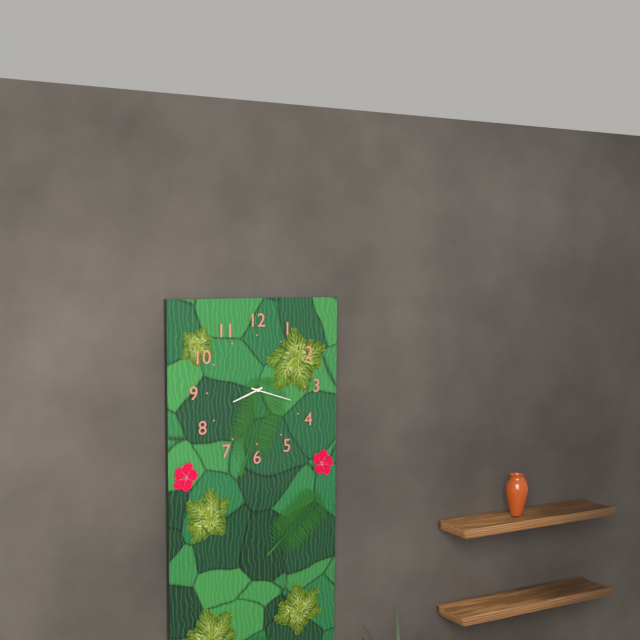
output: h=8 m=18
